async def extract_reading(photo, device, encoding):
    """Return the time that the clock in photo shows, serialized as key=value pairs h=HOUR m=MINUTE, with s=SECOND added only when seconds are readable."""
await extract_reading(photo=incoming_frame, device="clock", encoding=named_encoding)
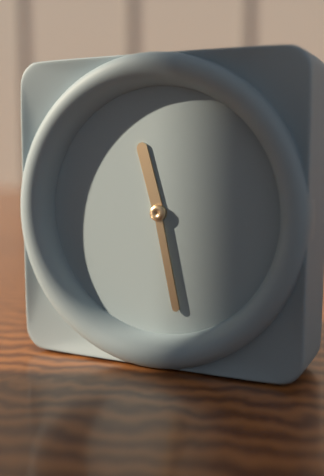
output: h=11 m=28
